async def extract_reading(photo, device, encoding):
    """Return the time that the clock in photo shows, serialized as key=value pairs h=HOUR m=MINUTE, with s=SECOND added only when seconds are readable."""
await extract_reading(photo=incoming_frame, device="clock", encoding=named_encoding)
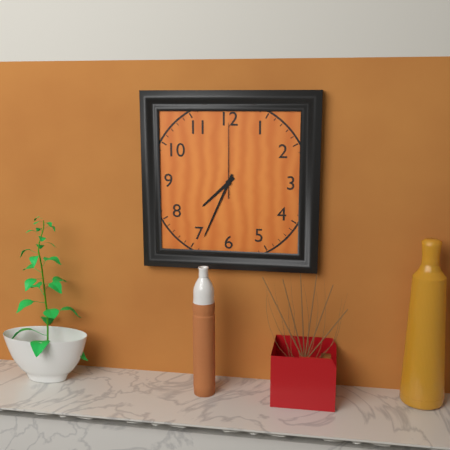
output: h=7 m=34 s=0
